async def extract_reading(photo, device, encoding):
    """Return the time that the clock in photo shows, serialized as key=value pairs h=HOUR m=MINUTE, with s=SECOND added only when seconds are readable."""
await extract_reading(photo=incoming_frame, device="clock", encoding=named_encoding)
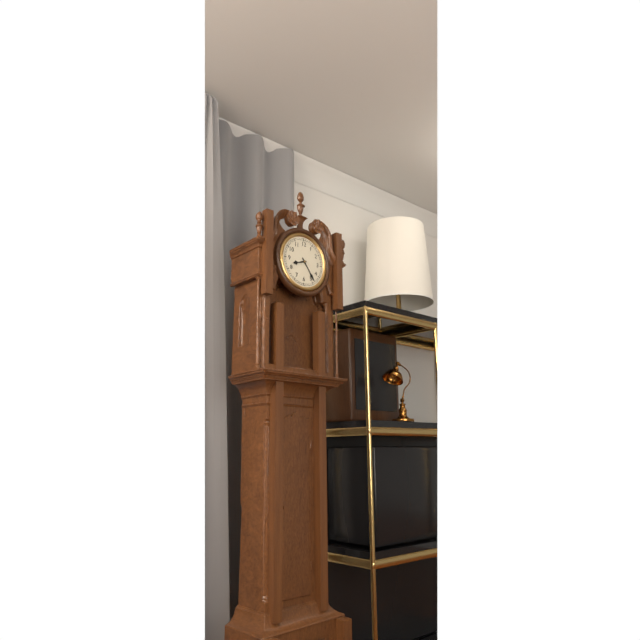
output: h=8 m=24
